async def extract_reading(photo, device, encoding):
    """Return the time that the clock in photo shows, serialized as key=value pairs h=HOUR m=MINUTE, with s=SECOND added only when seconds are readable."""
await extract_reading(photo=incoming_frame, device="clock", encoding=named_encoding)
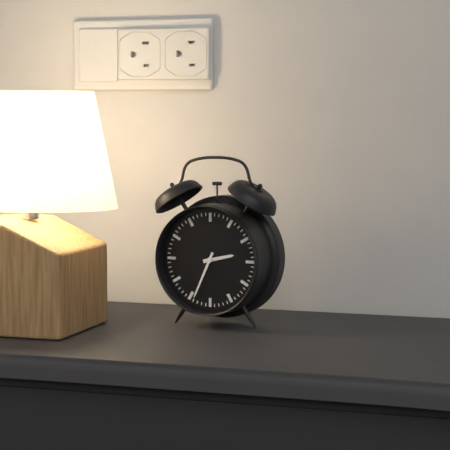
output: h=2 m=34
